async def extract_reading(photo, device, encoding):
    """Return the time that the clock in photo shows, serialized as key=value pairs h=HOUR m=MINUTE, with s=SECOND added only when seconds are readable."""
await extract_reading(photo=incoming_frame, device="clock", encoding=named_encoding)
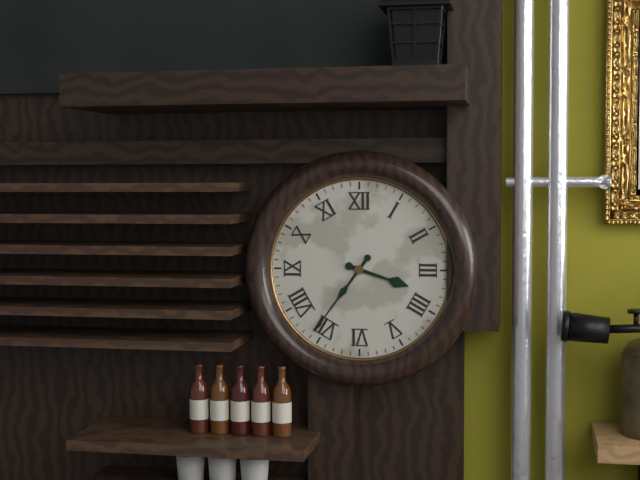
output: h=3 m=36
